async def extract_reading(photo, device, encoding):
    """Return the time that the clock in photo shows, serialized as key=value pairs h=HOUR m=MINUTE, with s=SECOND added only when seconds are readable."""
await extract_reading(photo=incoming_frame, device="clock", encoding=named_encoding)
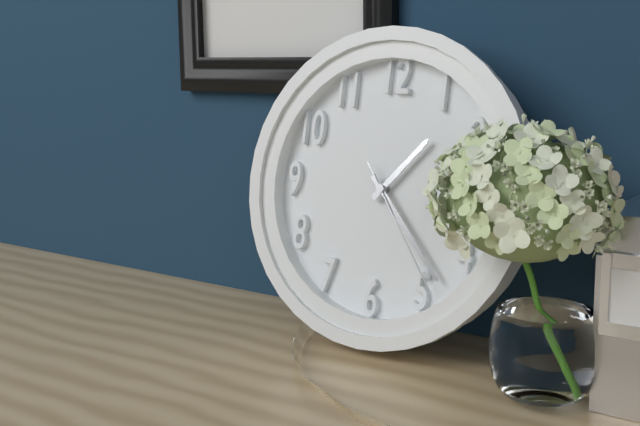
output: h=1 m=23 s=24
